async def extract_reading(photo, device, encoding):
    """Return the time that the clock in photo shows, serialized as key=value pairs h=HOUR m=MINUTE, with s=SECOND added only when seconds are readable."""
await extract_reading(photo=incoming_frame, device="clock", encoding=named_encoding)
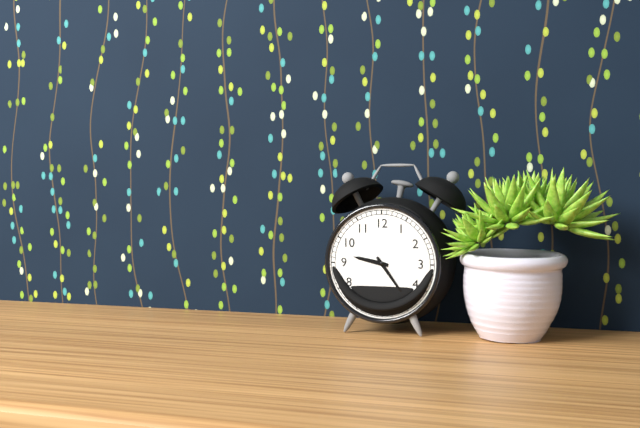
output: h=9 m=24
